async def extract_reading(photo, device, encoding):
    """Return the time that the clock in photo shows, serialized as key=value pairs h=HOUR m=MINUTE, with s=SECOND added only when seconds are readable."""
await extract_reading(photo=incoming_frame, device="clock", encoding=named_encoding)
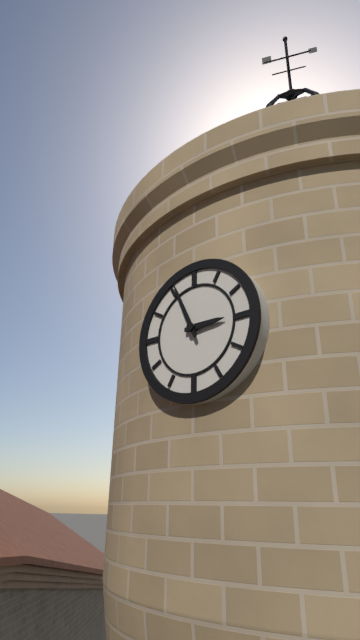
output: h=2 m=56
